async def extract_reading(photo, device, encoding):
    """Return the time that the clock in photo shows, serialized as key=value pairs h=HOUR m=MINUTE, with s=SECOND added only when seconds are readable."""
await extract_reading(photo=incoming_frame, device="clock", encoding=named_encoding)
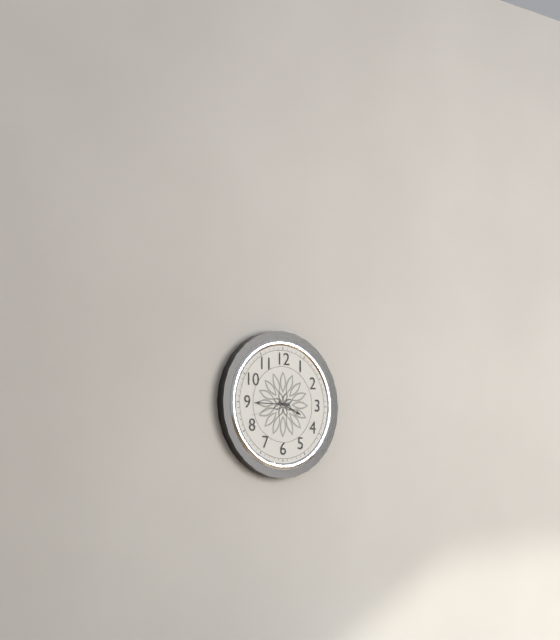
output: h=3 m=45
